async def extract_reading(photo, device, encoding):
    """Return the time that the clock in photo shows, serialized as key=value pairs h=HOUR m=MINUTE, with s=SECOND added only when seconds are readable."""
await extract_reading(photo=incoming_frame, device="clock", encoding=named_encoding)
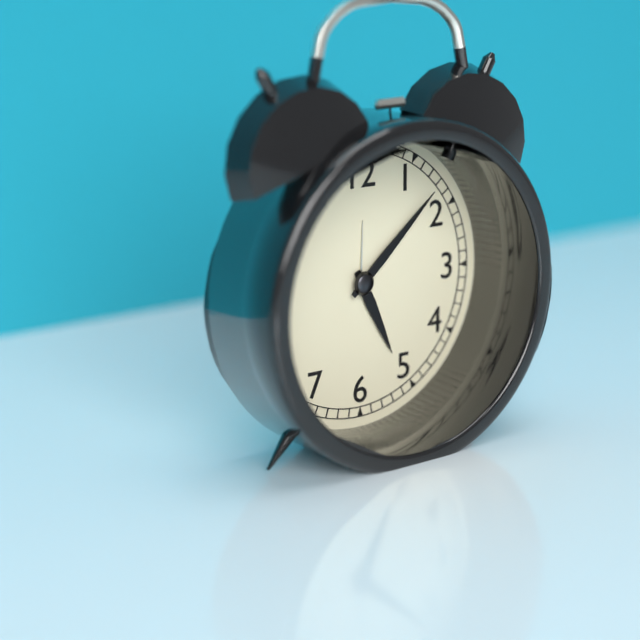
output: h=5 m=8
